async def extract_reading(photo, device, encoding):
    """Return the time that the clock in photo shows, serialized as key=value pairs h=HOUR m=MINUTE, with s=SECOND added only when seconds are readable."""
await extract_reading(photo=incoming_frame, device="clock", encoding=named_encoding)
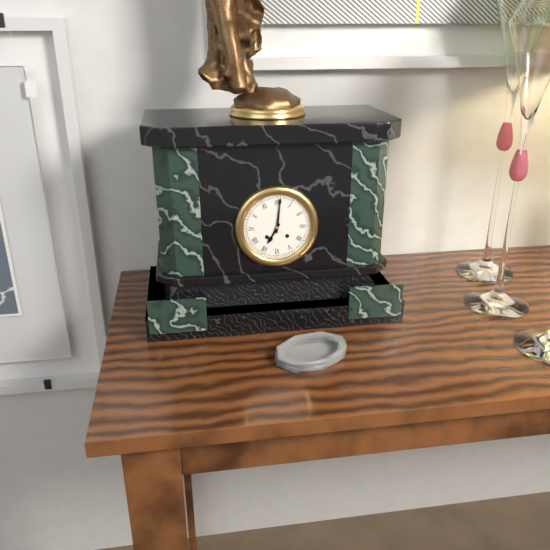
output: h=7 m=1
